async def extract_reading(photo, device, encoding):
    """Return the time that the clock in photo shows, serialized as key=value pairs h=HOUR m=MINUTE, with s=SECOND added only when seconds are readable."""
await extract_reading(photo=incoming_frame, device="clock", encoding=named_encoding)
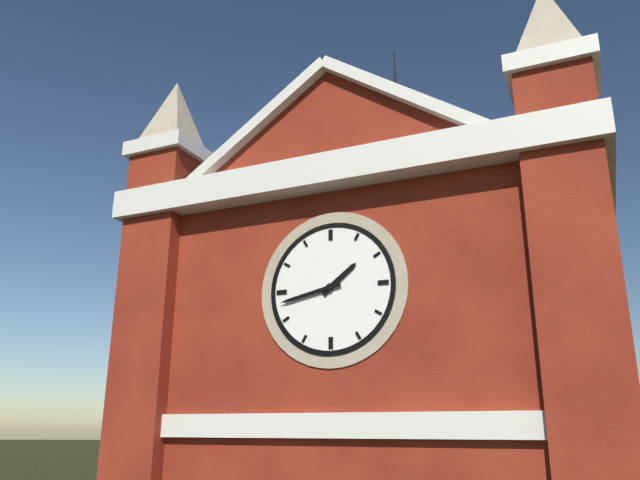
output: h=1 m=43
